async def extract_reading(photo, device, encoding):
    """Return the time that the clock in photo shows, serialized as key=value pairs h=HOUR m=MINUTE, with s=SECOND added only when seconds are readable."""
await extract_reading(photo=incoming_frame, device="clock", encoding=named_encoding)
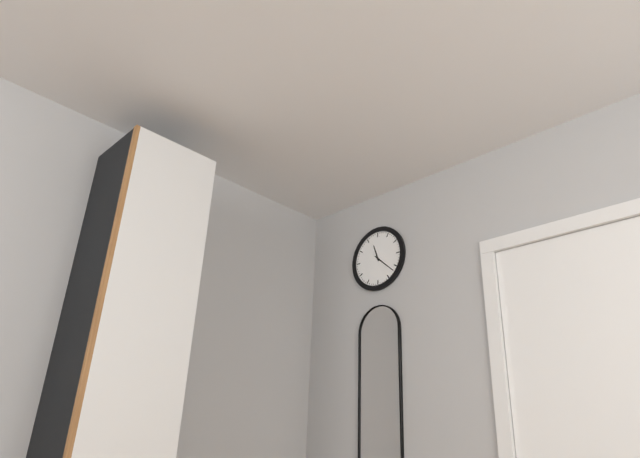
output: h=11 m=22
